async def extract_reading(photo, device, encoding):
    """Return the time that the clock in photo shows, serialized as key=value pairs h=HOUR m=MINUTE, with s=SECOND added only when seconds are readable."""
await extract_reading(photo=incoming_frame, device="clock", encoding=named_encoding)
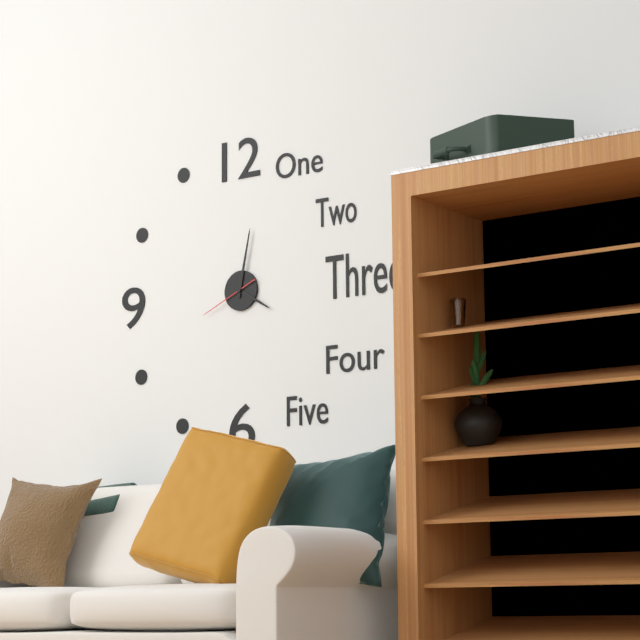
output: h=4 m=2 s=41
